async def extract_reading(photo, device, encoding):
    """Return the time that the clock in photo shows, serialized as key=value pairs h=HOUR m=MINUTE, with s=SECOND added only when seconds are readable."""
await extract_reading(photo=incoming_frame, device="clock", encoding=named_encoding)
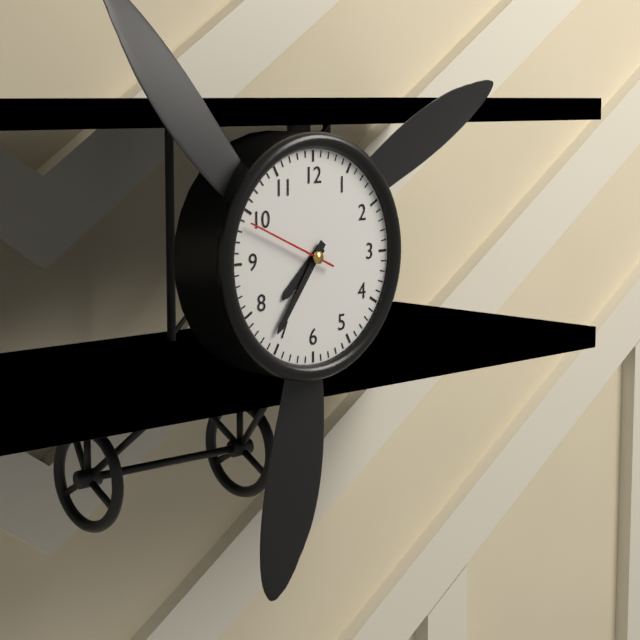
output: h=7 m=36 s=49
